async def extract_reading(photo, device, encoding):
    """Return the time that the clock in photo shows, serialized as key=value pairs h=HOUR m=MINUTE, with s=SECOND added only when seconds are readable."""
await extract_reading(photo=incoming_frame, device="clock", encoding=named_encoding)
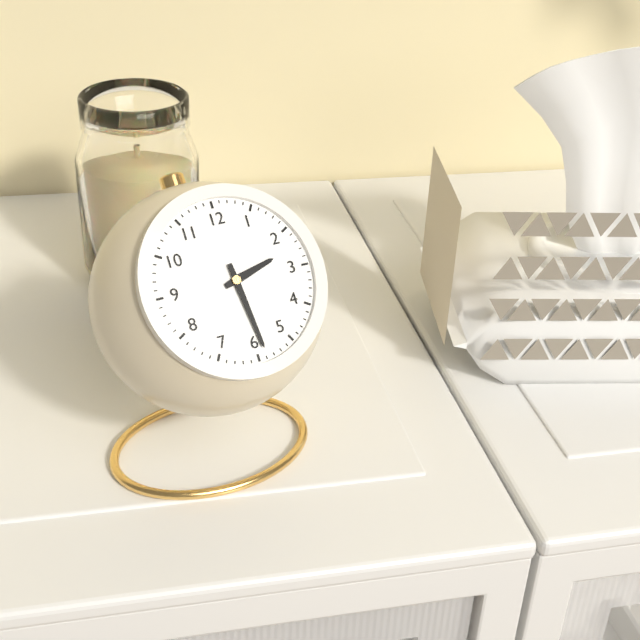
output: h=2 m=29
